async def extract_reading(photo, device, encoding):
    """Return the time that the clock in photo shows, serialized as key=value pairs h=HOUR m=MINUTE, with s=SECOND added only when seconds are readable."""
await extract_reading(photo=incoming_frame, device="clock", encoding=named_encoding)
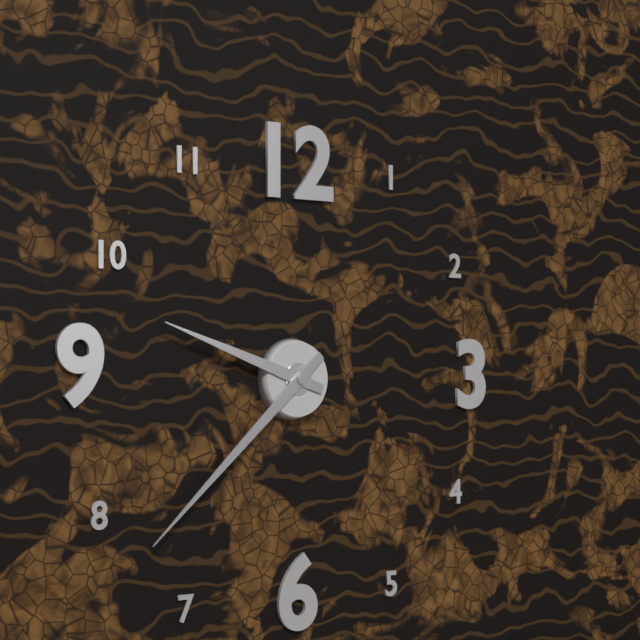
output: h=9 m=38
